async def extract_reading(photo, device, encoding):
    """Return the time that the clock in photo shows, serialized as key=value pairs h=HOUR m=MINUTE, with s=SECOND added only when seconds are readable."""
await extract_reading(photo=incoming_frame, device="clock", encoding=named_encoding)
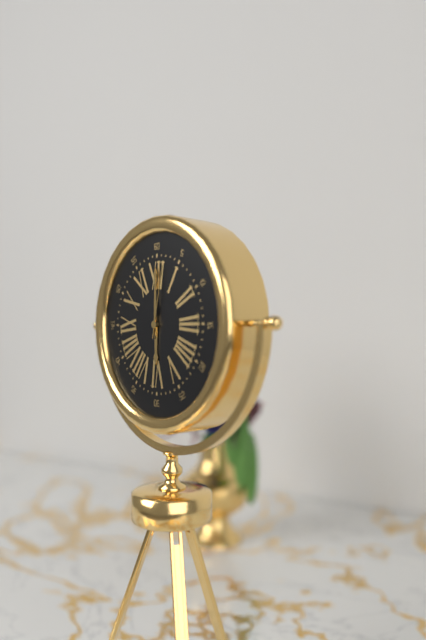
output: h=6 m=0 s=2
